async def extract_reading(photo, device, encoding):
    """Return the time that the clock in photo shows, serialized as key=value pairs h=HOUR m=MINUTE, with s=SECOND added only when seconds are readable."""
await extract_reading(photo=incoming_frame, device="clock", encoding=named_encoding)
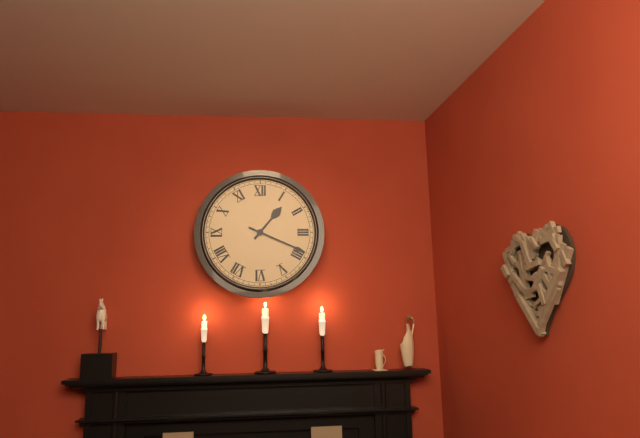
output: h=1 m=19
